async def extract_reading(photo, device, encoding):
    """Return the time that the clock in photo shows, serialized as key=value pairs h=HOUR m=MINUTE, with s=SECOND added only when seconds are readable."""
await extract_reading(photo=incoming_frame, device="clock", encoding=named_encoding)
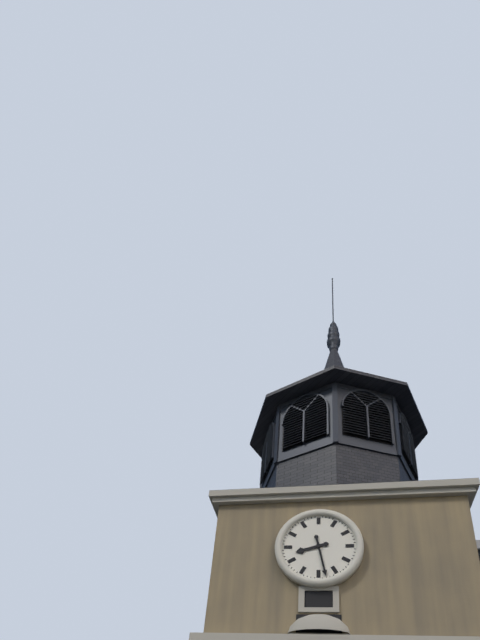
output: h=8 m=28
